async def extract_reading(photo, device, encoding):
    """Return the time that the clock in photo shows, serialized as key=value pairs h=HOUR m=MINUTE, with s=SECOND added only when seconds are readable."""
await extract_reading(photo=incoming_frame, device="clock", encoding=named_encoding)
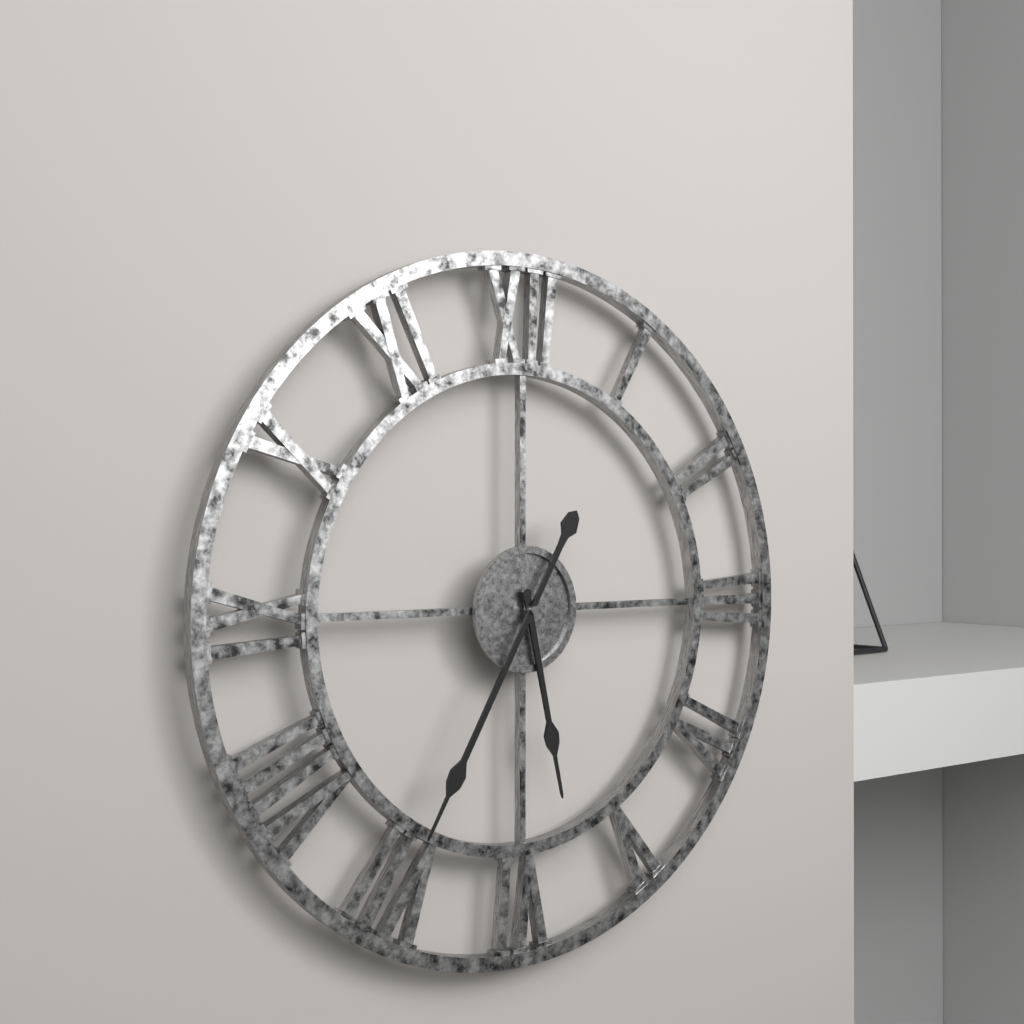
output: h=5 m=35
